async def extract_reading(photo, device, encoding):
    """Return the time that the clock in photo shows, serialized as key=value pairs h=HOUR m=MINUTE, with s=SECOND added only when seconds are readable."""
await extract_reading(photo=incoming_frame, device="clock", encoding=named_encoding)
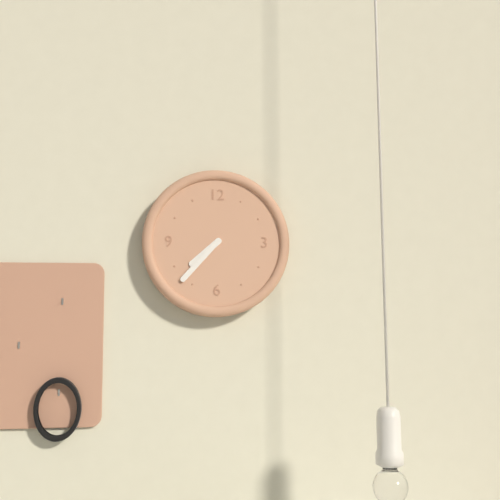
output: h=7 m=37
